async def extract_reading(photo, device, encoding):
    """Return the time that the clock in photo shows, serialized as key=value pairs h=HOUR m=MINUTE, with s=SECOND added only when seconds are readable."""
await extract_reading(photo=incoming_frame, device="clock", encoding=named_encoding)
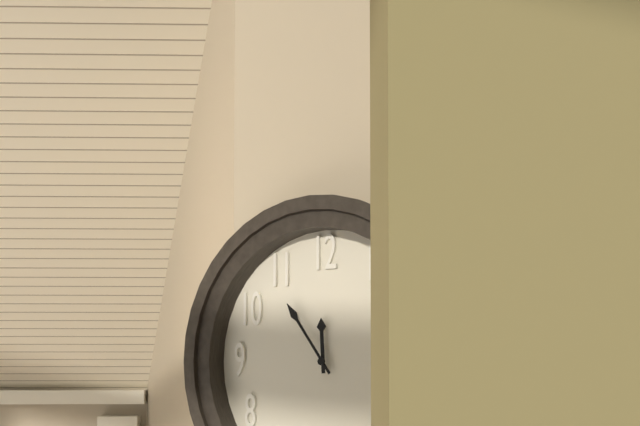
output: h=11 m=54
